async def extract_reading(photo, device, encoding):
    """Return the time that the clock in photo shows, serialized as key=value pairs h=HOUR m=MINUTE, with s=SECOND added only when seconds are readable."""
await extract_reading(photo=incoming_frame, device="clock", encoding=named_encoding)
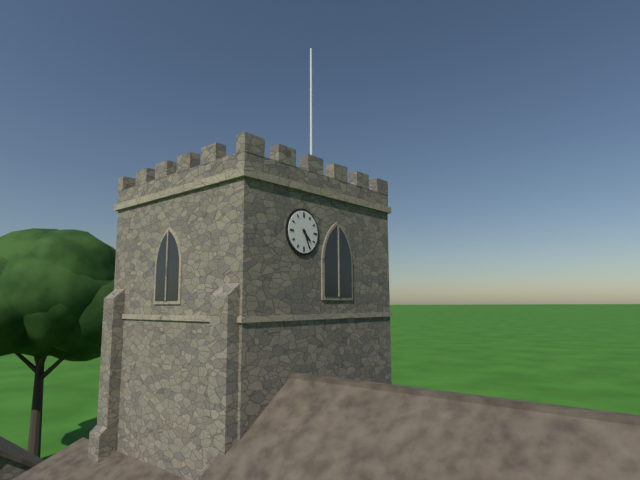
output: h=4 m=26
